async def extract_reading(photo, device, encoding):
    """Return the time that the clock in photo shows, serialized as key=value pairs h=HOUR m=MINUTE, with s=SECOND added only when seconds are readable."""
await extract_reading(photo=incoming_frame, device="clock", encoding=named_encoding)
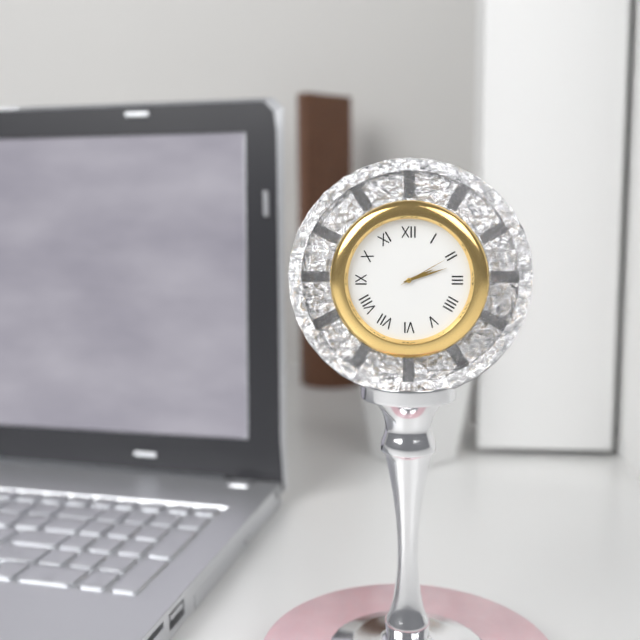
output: h=2 m=12 s=10
